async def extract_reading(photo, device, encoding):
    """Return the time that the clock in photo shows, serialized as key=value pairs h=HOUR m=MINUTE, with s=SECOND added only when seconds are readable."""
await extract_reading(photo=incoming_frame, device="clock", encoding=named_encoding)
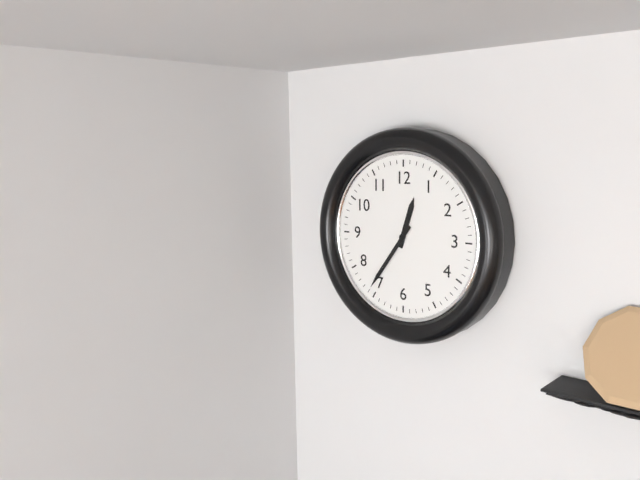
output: h=12 m=36
